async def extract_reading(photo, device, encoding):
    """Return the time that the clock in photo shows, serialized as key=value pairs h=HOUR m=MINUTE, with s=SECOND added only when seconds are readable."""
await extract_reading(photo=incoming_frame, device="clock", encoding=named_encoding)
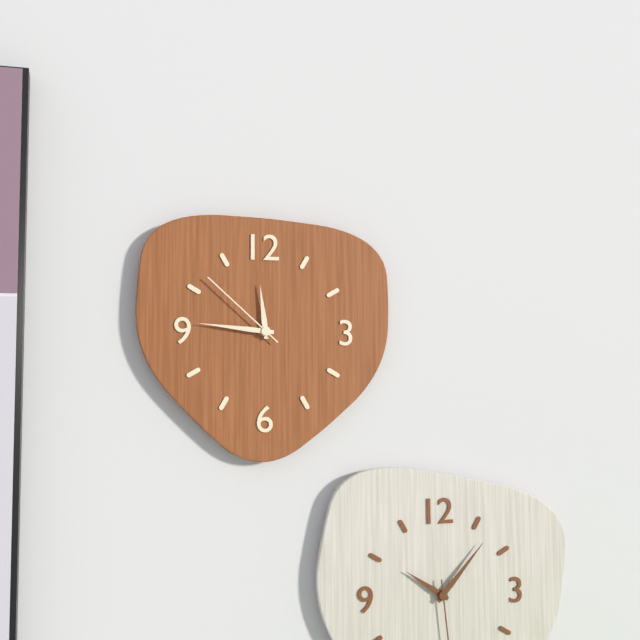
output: h=11 m=46 s=52
